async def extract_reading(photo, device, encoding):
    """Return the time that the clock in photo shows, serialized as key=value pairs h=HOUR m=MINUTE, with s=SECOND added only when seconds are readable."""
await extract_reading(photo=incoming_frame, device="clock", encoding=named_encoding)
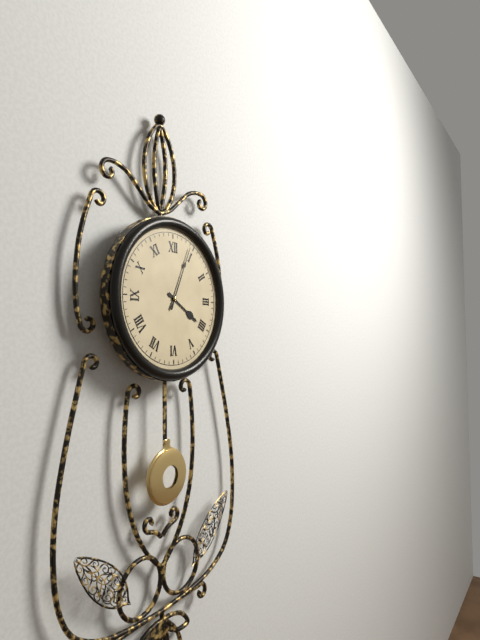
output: h=4 m=4
